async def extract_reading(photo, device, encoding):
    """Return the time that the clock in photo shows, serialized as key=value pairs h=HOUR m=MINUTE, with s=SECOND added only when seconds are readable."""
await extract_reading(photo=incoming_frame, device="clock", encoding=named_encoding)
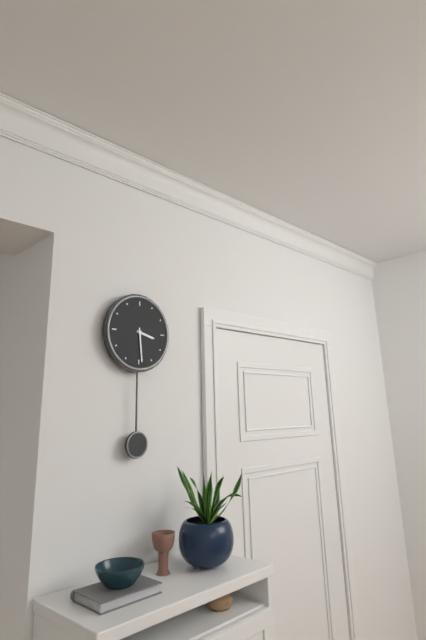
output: h=3 m=29
